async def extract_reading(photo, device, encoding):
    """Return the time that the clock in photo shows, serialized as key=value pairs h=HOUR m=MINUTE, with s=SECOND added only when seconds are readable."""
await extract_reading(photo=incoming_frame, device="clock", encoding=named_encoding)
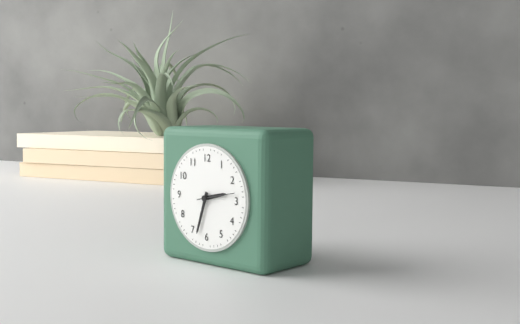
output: h=2 m=33
